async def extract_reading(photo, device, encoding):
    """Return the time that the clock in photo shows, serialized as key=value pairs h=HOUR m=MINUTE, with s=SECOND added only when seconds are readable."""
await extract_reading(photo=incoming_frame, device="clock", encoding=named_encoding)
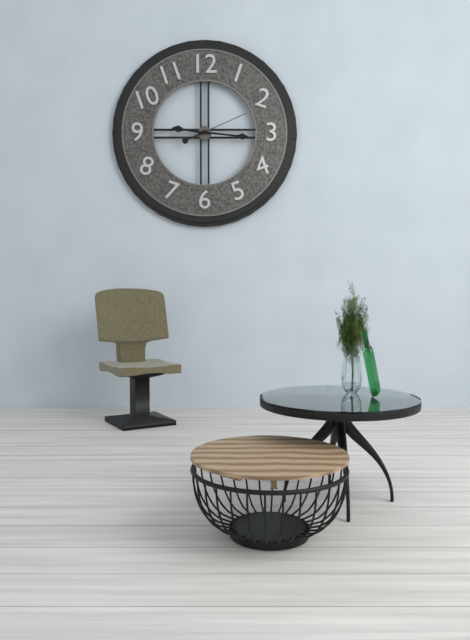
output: h=9 m=16 s=11
